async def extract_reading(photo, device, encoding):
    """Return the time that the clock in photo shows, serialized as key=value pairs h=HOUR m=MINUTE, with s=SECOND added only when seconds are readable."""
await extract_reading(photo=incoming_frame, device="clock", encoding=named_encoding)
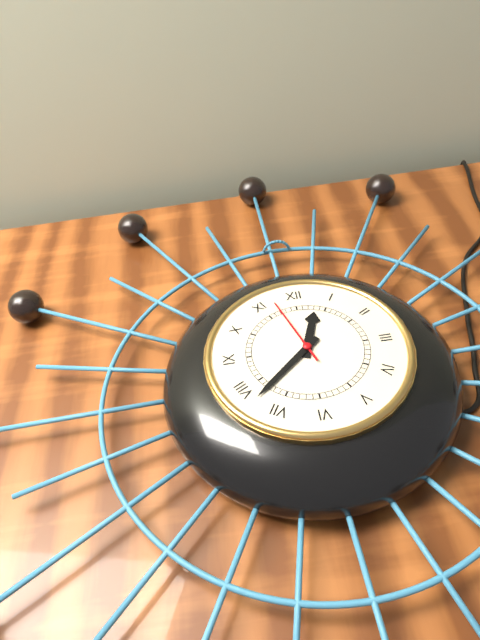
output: h=12 m=38 s=57
